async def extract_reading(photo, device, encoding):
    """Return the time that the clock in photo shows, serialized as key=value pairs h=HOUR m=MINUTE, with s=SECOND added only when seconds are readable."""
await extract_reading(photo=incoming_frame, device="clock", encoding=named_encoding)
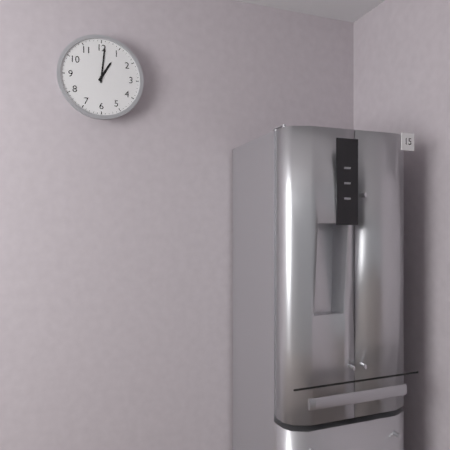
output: h=1 m=1
